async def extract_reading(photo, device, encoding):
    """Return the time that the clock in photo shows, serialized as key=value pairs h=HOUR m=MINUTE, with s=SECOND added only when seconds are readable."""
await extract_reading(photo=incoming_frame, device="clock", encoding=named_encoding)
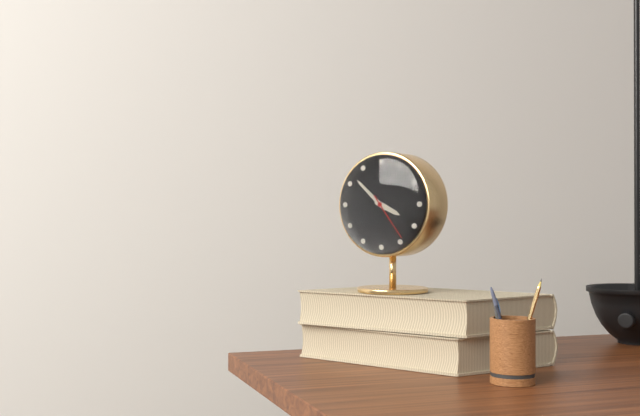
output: h=3 m=52
